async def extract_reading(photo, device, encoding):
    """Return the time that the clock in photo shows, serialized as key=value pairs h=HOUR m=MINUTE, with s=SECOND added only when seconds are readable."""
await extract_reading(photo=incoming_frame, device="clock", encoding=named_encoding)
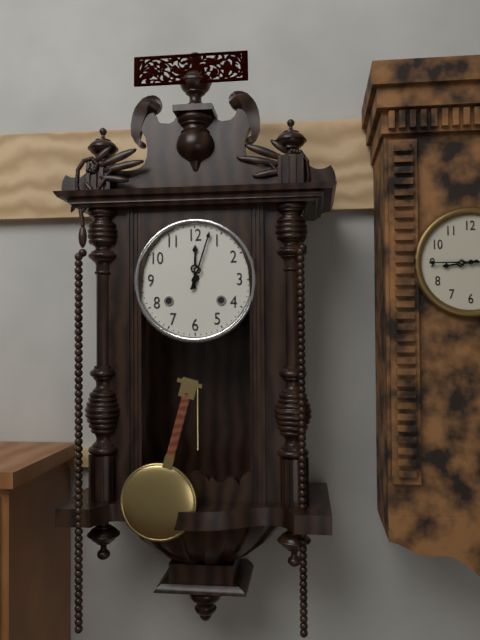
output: h=12 m=3
